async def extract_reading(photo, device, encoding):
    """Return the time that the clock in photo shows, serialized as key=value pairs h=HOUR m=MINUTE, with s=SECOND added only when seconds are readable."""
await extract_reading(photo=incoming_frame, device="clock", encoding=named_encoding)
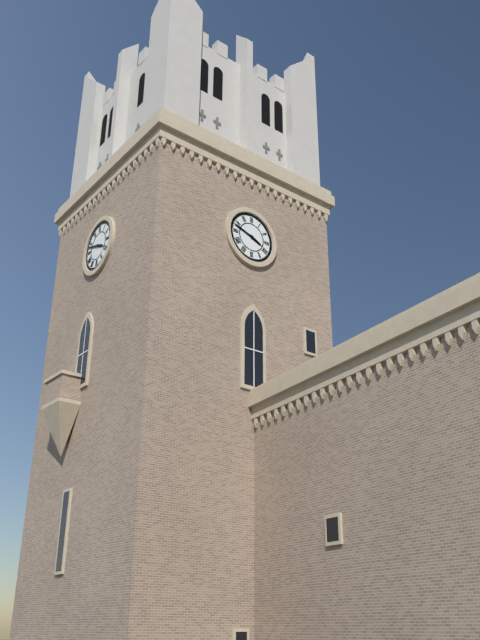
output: h=3 m=48
